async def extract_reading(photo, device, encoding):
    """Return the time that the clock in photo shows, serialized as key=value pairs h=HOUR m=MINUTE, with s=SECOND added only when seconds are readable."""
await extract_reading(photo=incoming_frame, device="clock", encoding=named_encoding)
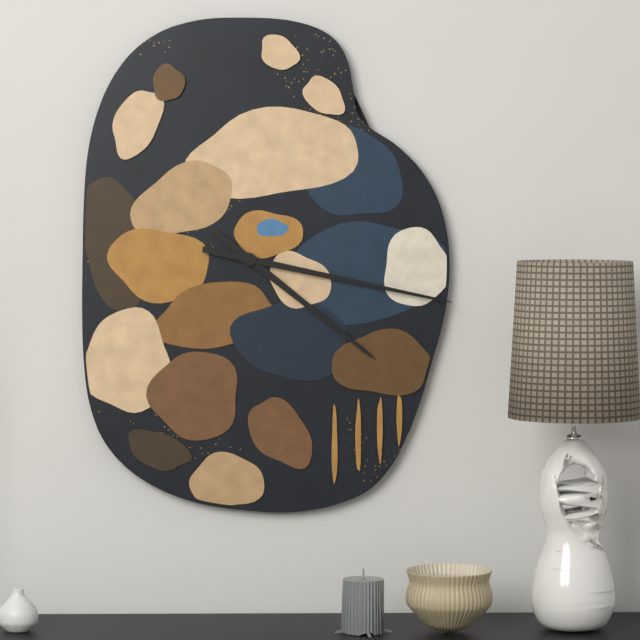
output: h=4 m=17
